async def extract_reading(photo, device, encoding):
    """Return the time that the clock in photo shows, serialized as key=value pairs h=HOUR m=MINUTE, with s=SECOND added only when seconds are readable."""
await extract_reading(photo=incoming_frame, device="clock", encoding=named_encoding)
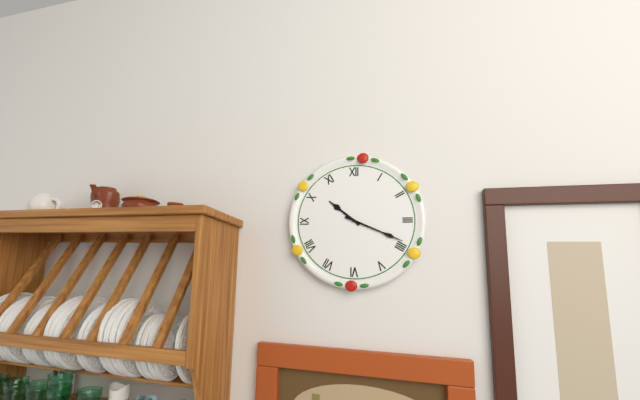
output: h=10 m=19
